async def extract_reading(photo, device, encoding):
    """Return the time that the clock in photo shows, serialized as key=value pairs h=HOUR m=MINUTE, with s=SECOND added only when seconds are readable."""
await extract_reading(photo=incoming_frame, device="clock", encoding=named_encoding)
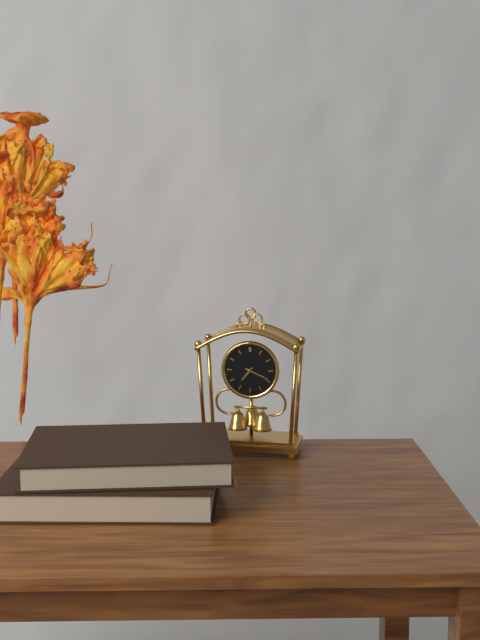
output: h=7 m=19
